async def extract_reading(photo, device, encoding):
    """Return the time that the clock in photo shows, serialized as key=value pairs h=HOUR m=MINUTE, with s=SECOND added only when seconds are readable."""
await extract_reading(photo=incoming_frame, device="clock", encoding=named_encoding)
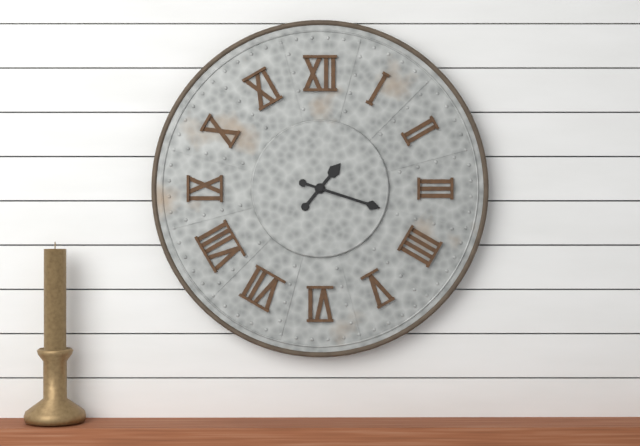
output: h=1 m=18
